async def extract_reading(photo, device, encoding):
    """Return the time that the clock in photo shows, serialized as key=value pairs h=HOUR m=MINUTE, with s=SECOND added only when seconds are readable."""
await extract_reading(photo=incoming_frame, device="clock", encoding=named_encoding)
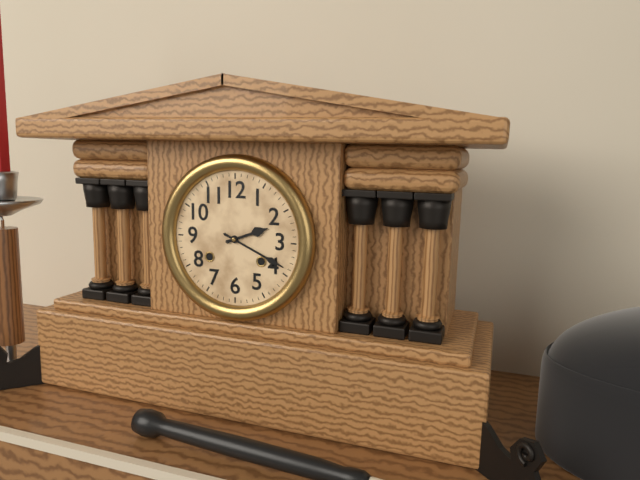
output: h=2 m=19
